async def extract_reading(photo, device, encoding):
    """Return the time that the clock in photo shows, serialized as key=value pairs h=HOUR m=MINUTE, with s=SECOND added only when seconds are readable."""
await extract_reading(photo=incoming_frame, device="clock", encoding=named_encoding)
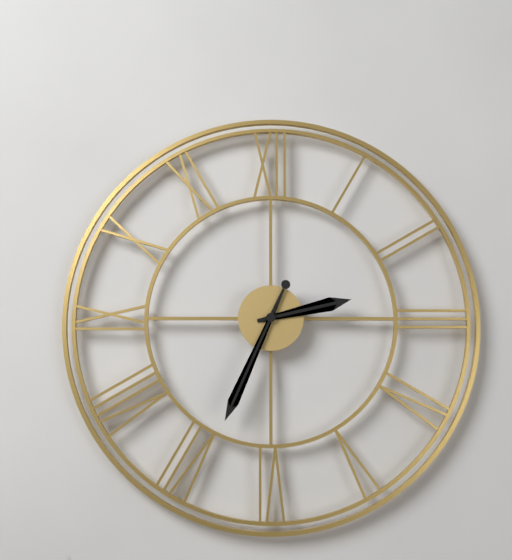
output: h=2 m=34
